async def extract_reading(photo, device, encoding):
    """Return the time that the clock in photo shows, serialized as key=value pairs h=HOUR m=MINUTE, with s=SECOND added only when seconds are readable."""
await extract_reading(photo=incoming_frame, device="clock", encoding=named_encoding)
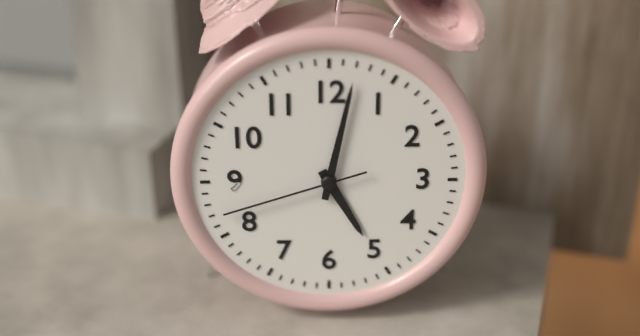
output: h=5 m=2 s=42
